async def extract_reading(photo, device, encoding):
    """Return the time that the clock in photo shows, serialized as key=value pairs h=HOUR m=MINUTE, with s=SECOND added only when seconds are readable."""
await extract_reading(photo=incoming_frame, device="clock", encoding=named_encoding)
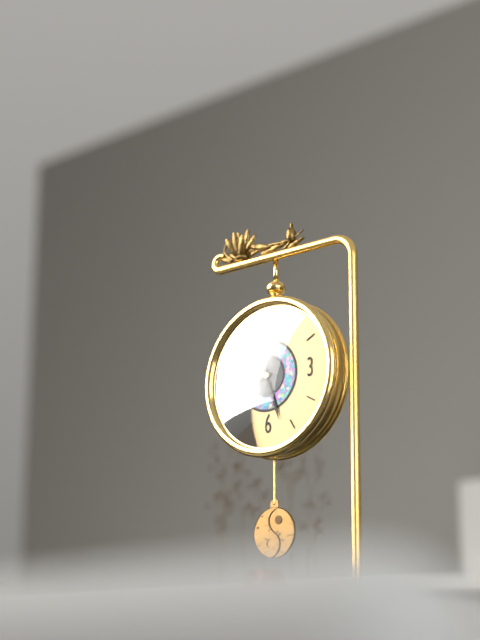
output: h=8 m=27 s=59
